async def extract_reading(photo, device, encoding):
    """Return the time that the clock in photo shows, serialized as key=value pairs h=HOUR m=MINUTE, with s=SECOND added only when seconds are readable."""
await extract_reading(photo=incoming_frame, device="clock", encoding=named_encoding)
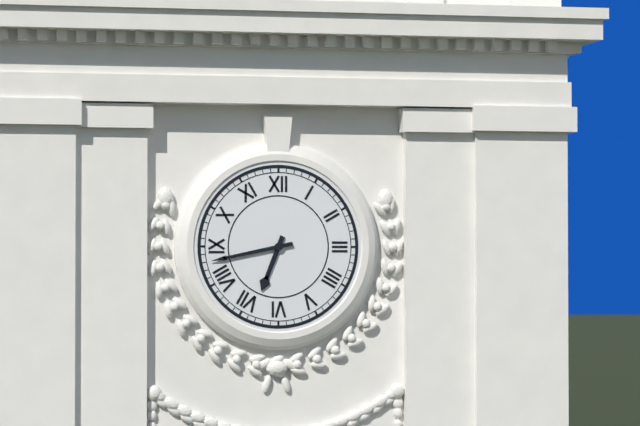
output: h=6 m=43
